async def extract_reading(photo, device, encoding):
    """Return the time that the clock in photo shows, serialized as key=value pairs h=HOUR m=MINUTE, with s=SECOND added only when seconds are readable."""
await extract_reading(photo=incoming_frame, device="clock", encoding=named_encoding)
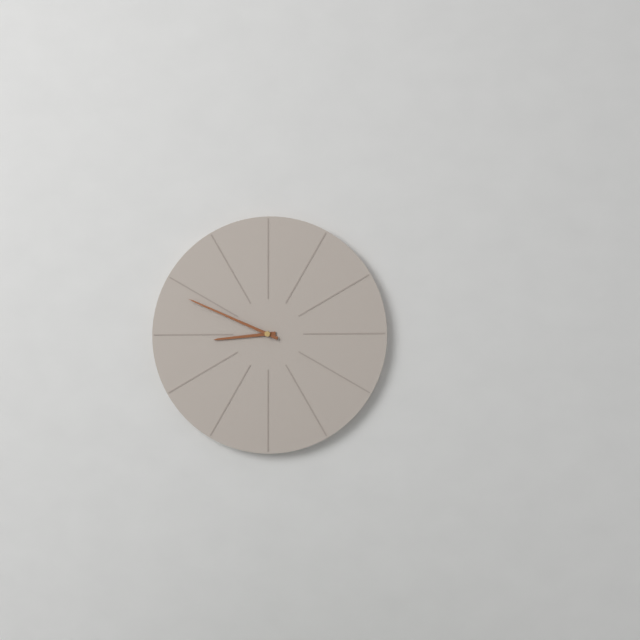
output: h=8 m=49
